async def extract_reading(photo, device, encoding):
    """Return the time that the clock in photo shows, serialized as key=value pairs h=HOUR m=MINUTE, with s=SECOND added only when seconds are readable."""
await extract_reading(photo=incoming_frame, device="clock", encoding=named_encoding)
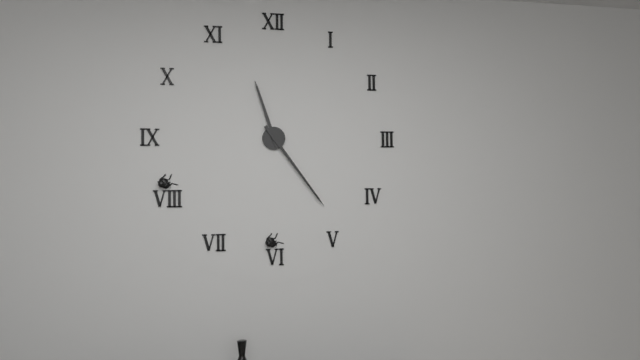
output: h=11 m=24
